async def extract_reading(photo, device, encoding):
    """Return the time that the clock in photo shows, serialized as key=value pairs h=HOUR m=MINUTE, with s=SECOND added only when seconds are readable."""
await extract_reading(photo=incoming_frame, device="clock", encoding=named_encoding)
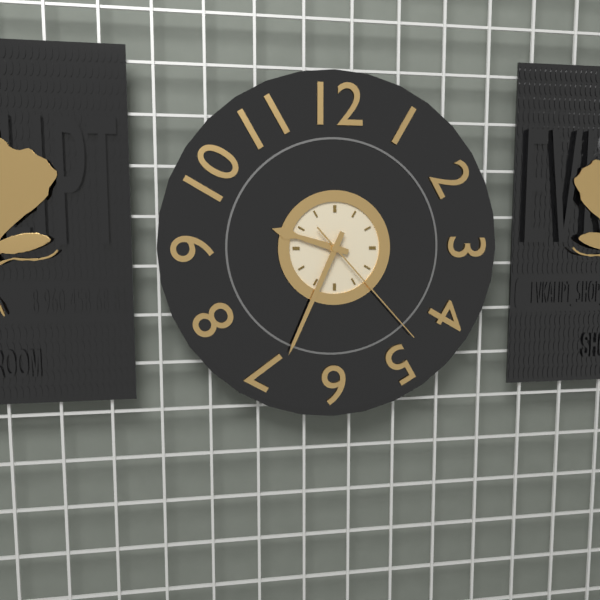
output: h=9 m=34 s=23
